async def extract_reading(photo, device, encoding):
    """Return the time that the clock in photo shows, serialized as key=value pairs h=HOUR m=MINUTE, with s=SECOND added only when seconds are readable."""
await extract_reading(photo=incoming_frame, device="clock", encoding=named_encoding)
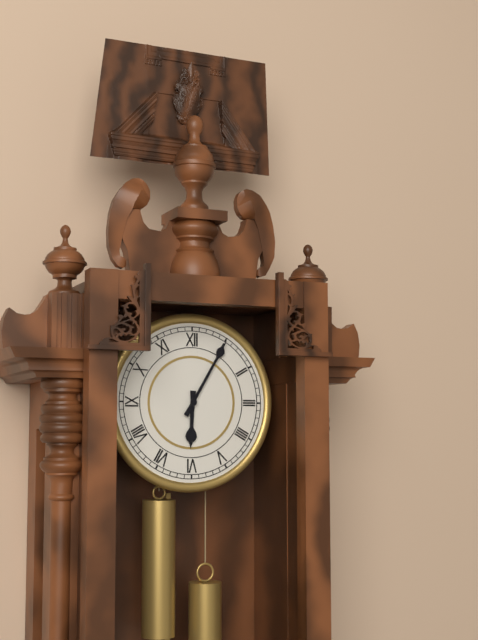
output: h=6 m=5
